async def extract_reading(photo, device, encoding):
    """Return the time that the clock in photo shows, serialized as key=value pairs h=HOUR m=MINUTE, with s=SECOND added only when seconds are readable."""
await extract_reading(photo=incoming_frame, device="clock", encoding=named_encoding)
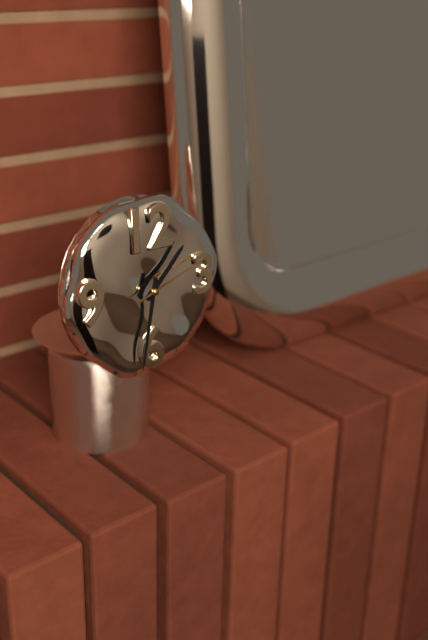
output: h=1 m=32 s=12
